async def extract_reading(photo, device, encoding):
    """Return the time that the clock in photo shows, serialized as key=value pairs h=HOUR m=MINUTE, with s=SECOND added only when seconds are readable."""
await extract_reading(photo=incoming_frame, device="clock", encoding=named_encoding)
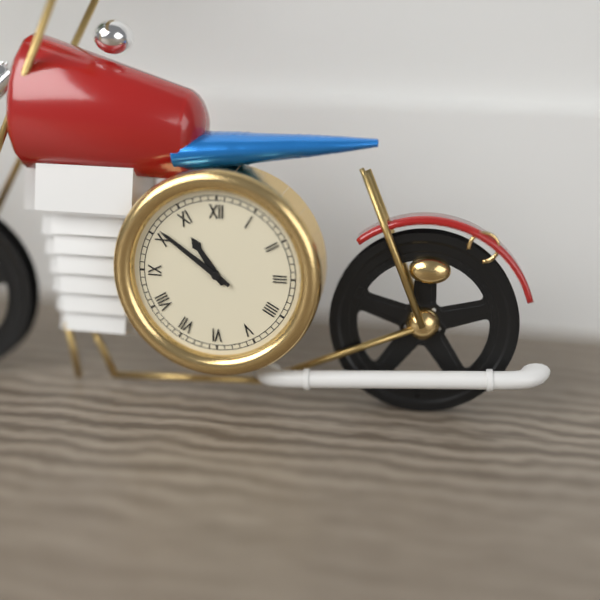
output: h=10 m=51
